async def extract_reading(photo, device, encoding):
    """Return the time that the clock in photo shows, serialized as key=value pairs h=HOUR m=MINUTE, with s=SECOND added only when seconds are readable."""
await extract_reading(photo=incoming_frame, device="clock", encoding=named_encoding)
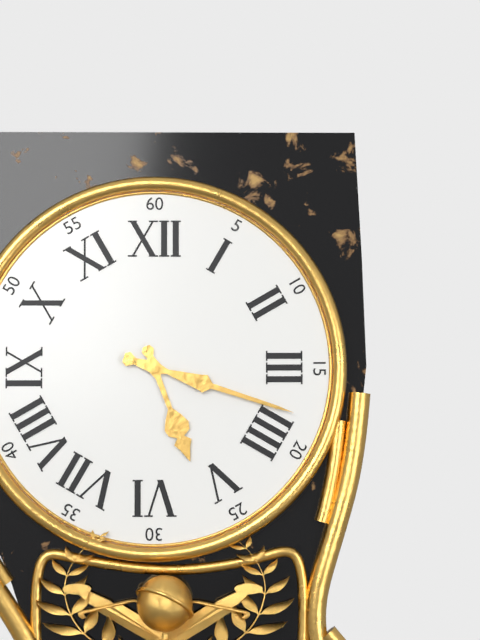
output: h=5 m=18
